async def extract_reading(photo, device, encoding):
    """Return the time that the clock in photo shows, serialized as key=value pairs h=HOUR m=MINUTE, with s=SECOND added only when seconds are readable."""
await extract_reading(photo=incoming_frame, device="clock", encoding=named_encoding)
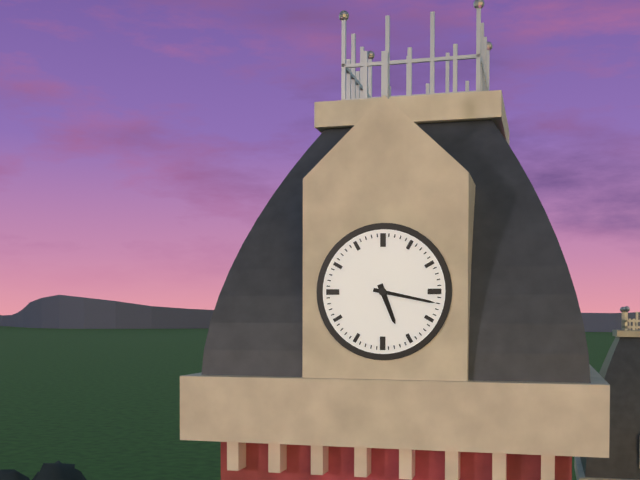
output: h=5 m=17
